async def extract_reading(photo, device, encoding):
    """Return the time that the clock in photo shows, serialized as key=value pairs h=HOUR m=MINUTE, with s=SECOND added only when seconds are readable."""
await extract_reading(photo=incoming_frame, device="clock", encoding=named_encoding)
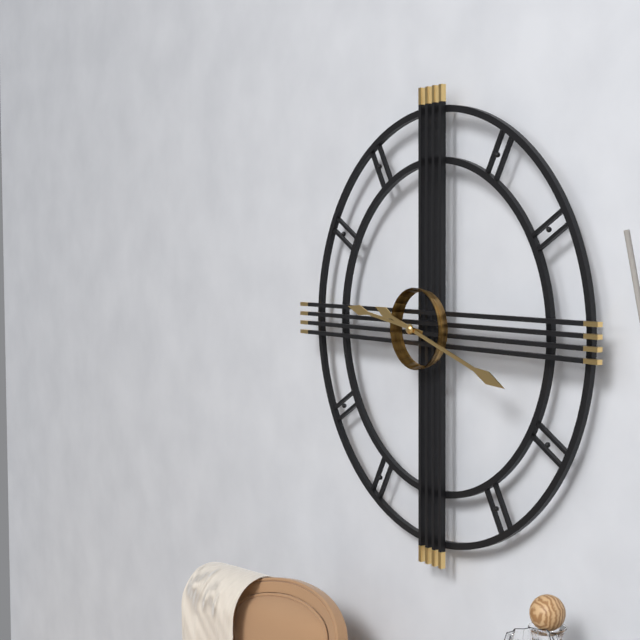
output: h=9 m=18
